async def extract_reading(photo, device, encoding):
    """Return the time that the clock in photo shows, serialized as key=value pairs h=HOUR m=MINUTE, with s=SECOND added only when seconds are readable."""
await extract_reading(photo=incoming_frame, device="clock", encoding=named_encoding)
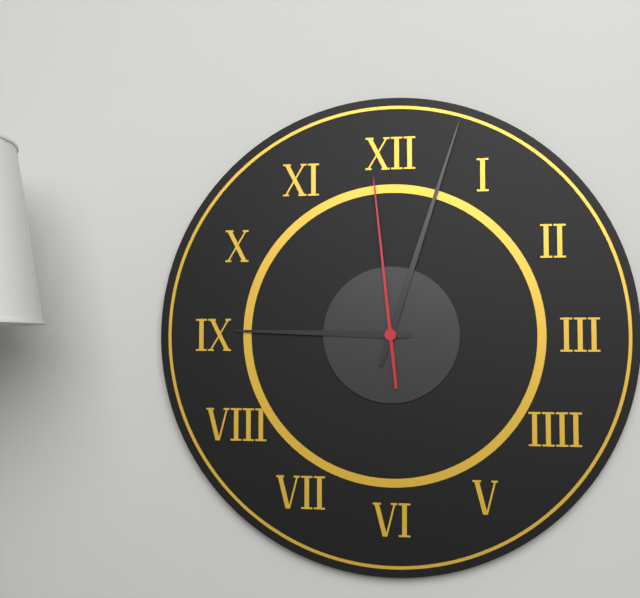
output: h=9 m=3 s=59
